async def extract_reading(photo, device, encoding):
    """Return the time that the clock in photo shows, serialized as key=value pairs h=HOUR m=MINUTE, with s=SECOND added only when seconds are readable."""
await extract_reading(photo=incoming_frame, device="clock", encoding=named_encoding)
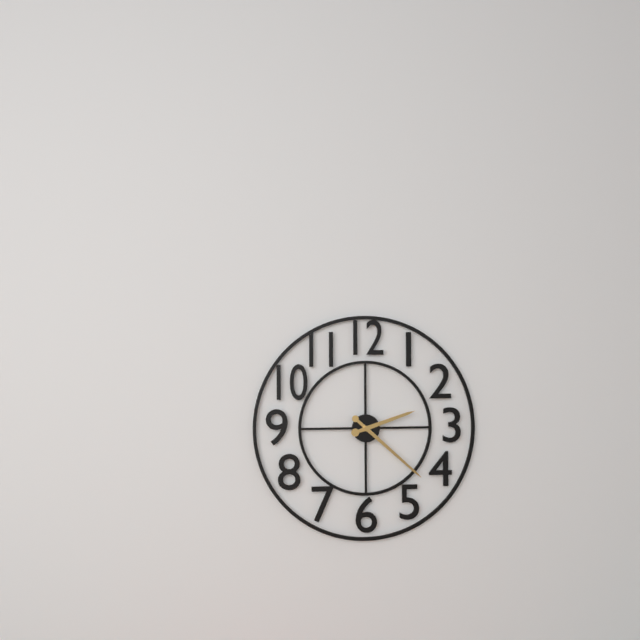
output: h=2 m=22
